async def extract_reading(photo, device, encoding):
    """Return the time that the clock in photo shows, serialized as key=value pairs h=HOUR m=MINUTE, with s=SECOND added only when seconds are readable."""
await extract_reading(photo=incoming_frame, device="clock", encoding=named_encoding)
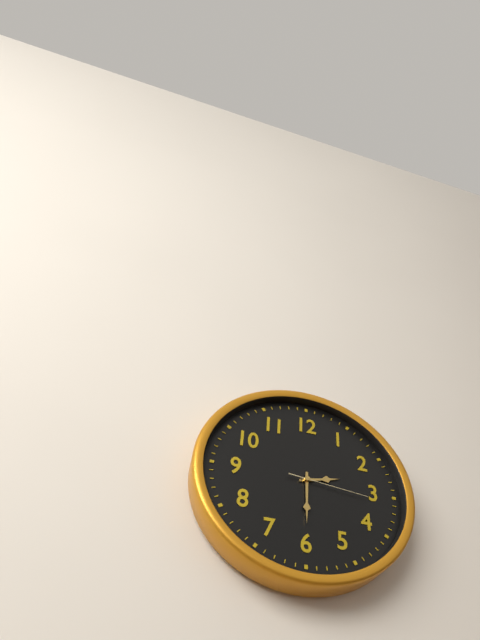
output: h=2 m=30 s=16
